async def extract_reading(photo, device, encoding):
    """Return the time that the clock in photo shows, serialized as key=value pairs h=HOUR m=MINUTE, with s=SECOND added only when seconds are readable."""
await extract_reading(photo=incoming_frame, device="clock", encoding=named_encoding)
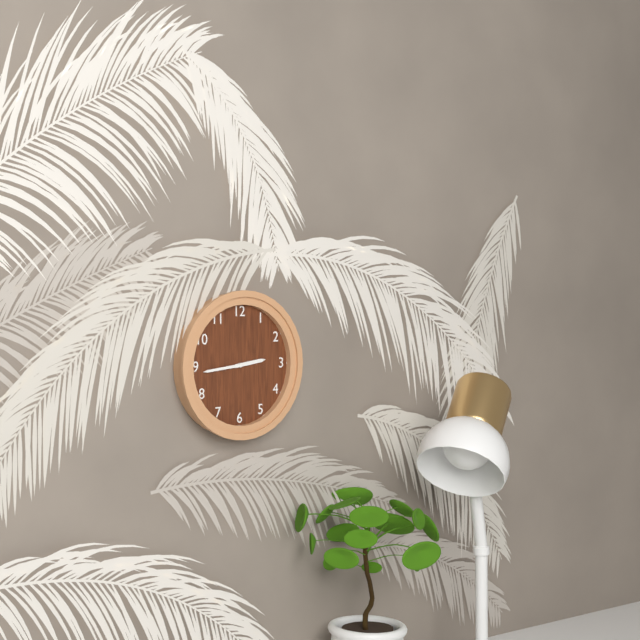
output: h=2 m=44
